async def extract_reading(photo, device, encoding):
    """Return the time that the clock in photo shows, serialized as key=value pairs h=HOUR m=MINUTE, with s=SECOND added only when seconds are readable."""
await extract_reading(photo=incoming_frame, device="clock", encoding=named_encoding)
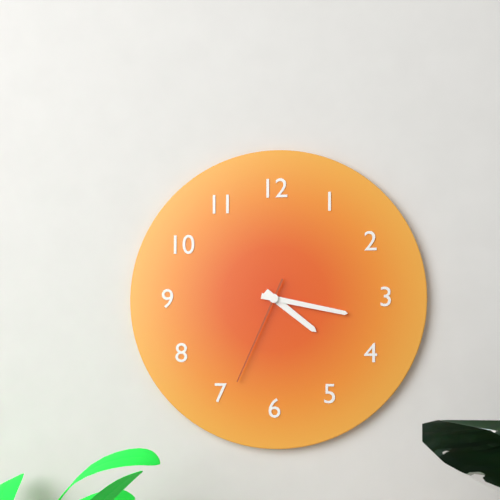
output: h=4 m=17 s=34
